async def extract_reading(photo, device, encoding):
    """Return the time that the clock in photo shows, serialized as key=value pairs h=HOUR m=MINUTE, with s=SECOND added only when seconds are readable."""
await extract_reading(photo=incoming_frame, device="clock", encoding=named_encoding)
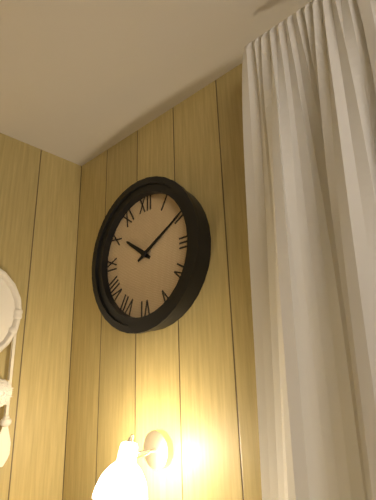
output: h=10 m=10
